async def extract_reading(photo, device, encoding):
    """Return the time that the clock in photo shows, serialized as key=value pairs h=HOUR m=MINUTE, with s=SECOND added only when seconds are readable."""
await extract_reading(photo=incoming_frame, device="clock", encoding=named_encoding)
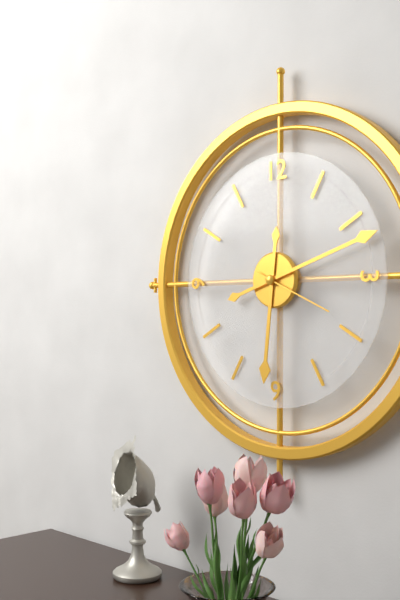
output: h=6 m=12 s=19
